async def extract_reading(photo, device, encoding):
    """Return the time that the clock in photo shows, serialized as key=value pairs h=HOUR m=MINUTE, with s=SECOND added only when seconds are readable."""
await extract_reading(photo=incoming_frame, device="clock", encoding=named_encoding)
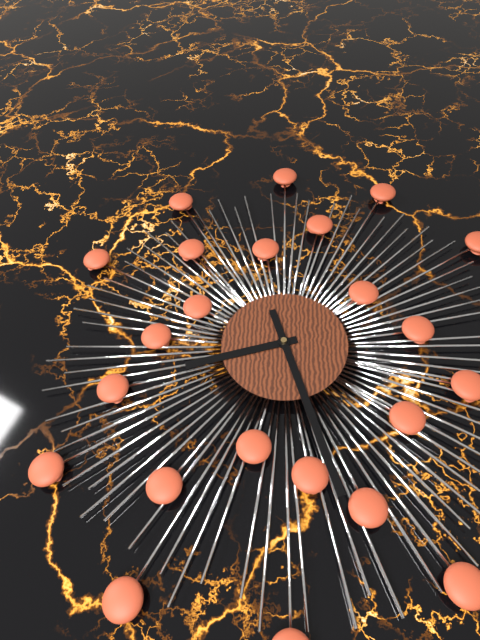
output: h=8 m=27
